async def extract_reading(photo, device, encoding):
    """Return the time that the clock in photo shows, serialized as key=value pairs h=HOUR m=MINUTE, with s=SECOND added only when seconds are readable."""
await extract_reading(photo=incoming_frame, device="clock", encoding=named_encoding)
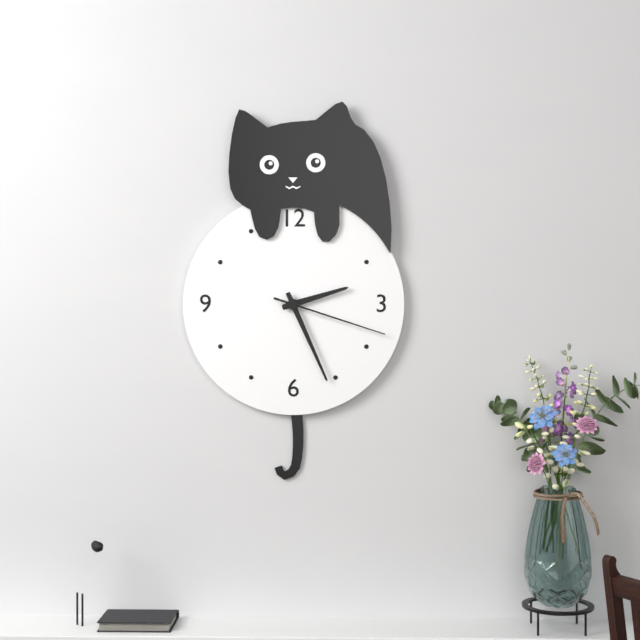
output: h=2 m=26 s=18
